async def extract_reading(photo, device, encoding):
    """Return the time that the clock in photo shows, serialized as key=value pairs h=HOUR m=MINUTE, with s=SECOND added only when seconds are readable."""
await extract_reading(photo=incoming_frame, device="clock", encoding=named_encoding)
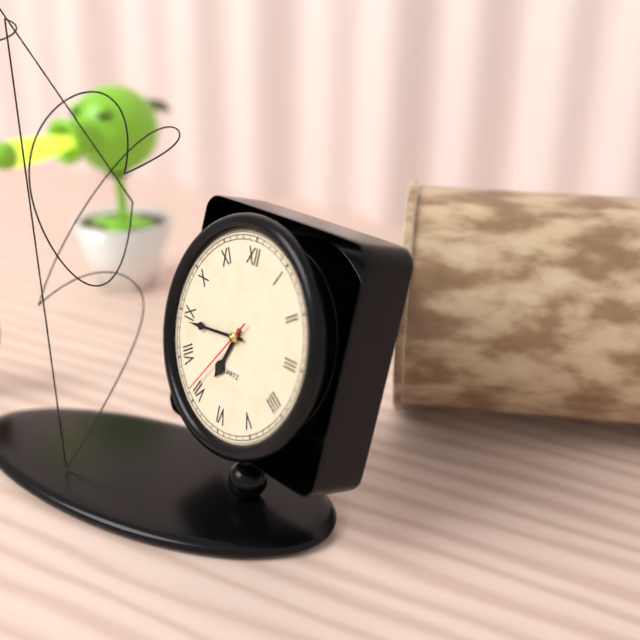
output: h=6 m=44 s=36
